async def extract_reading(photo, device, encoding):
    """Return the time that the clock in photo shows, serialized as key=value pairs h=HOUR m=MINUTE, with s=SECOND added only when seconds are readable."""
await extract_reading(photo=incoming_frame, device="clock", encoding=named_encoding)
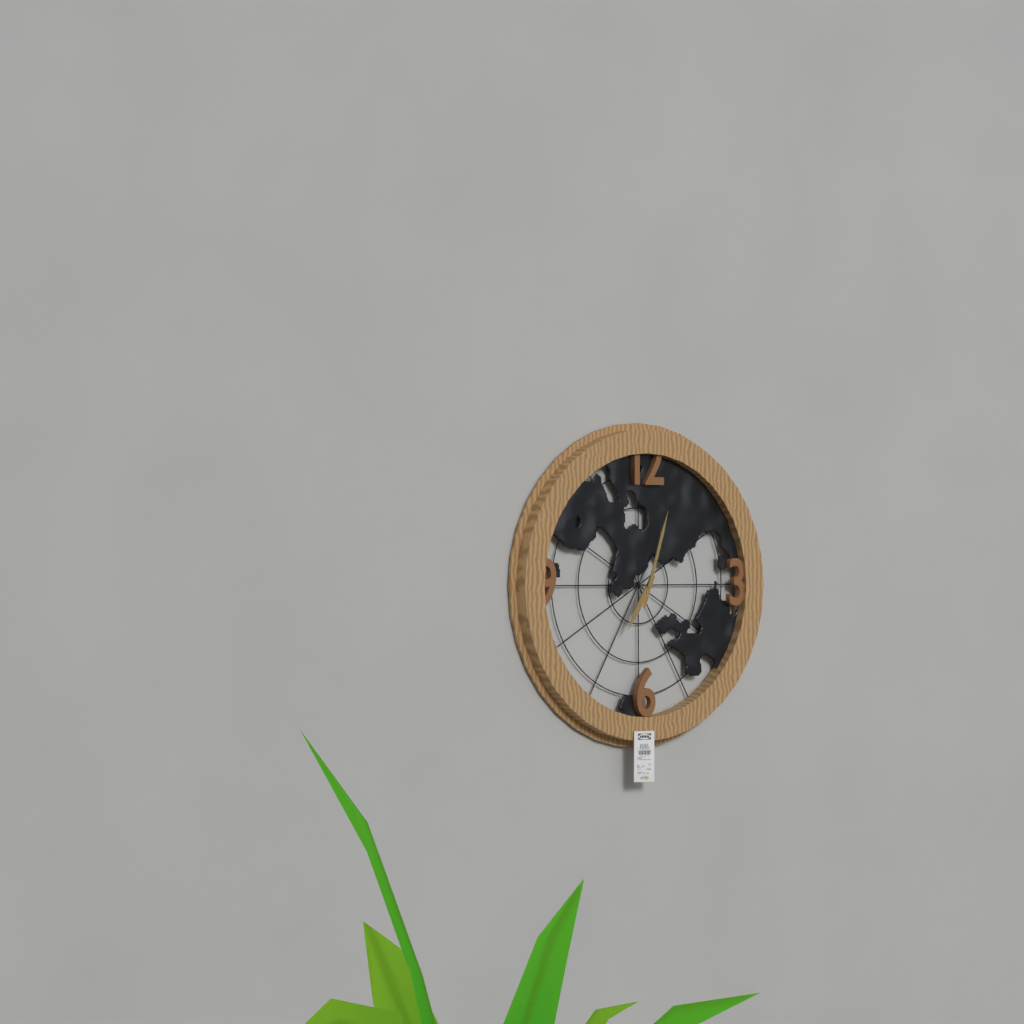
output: h=7 m=3
